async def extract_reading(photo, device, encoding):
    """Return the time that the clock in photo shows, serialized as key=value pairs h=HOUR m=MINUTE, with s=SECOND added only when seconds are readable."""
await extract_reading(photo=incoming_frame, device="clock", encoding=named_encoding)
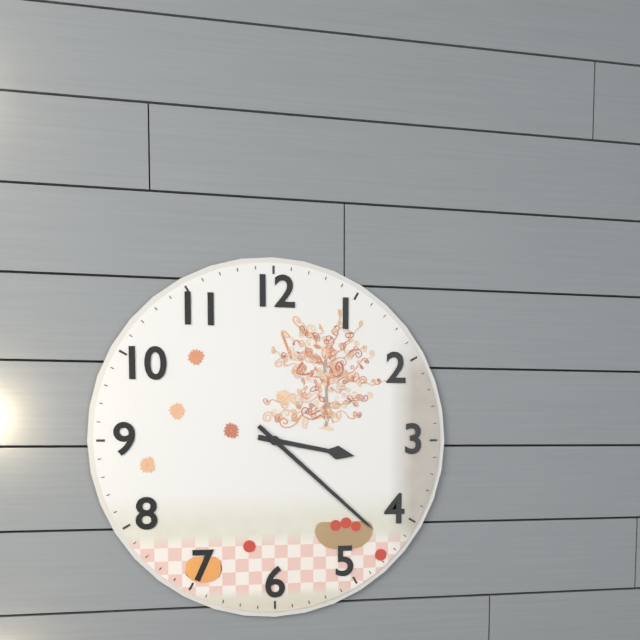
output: h=3 m=22
